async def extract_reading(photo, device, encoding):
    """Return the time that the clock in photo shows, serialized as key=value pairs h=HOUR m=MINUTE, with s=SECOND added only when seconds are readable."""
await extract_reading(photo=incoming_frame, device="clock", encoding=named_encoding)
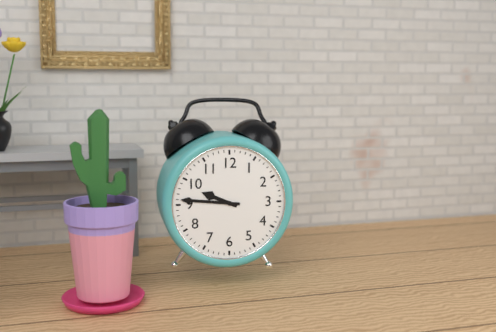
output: h=9 m=46
